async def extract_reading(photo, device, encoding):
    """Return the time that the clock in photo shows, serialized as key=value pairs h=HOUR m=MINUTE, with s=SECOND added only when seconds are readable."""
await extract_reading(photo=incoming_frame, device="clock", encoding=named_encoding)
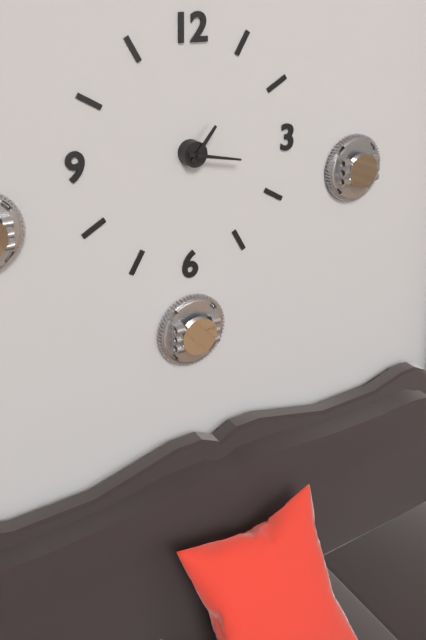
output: h=1 m=17
